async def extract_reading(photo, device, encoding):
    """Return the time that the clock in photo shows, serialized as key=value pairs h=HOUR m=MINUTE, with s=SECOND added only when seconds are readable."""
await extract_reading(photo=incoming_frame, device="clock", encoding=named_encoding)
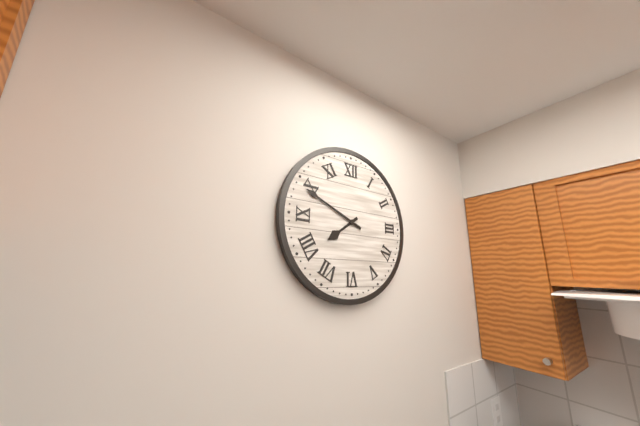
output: h=7 m=49
